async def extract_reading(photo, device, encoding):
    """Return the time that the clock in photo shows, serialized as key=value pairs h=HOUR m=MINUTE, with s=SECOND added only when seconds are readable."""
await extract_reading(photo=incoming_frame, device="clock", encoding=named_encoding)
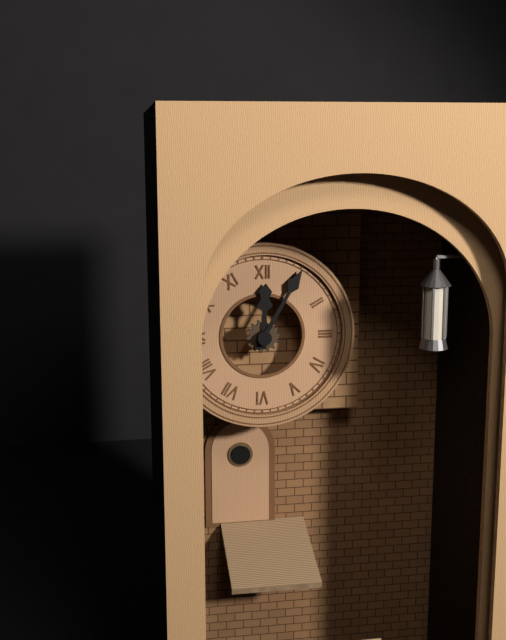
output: h=12 m=5
